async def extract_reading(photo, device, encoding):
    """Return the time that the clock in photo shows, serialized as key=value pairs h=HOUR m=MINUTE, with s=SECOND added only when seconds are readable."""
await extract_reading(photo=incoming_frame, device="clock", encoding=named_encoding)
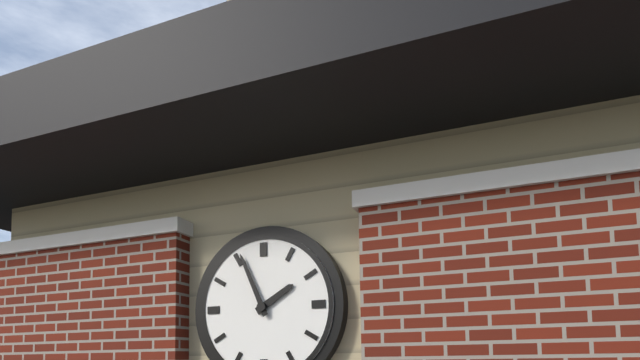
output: h=1 m=56
